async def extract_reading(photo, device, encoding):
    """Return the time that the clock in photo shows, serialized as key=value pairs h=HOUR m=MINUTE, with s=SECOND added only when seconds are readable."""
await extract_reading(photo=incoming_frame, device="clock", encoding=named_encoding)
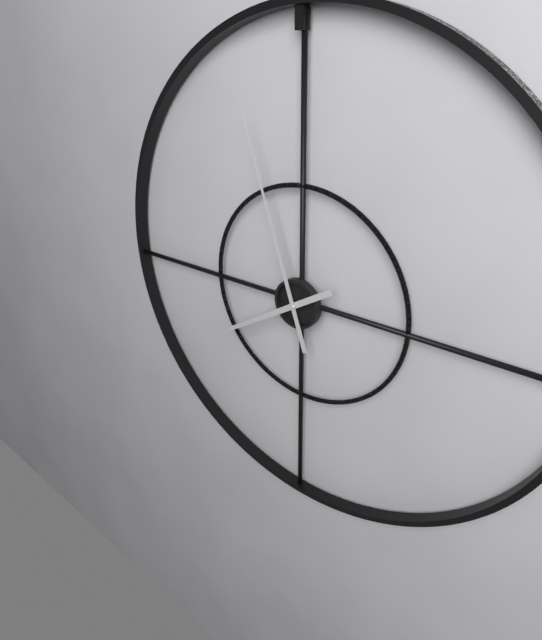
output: h=7 m=57
